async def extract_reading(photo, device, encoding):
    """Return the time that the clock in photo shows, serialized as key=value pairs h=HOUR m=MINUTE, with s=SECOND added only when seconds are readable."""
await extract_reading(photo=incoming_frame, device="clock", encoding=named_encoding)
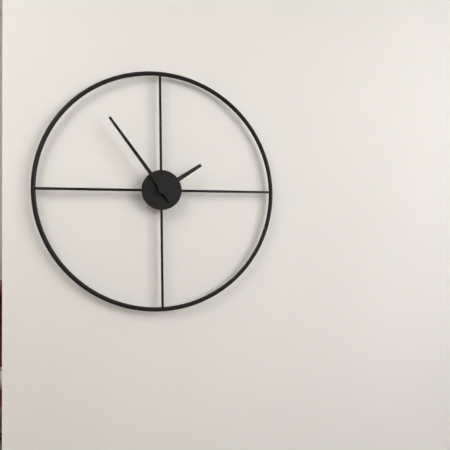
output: h=1 m=54
